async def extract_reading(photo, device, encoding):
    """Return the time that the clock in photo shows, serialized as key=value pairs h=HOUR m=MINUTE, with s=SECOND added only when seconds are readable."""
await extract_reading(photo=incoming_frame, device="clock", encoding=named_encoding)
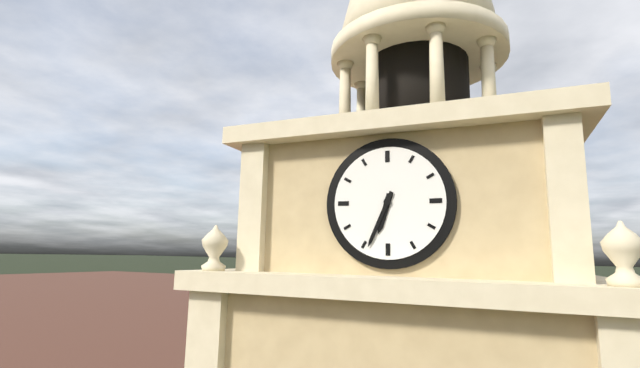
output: h=6 m=34
